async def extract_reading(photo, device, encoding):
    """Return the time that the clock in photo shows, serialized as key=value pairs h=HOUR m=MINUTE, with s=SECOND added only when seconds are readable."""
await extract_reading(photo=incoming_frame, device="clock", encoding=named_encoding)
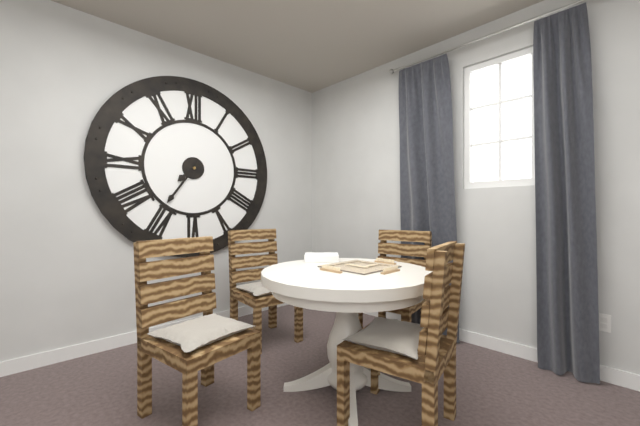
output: h=7 m=36
